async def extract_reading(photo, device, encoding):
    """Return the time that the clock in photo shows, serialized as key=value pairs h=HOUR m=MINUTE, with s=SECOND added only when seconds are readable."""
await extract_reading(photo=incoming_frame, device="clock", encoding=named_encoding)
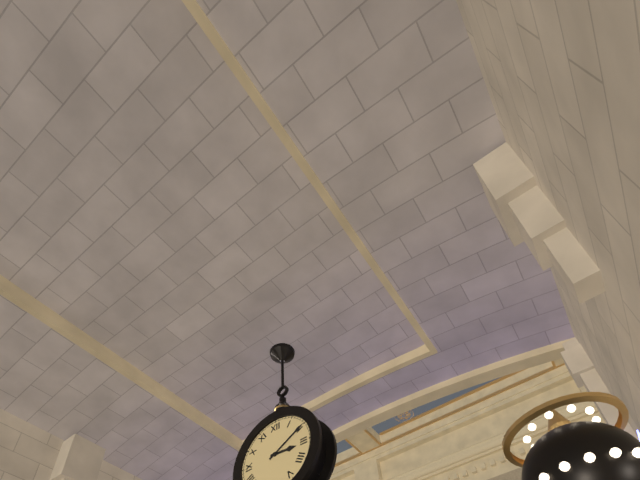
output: h=3 m=10
